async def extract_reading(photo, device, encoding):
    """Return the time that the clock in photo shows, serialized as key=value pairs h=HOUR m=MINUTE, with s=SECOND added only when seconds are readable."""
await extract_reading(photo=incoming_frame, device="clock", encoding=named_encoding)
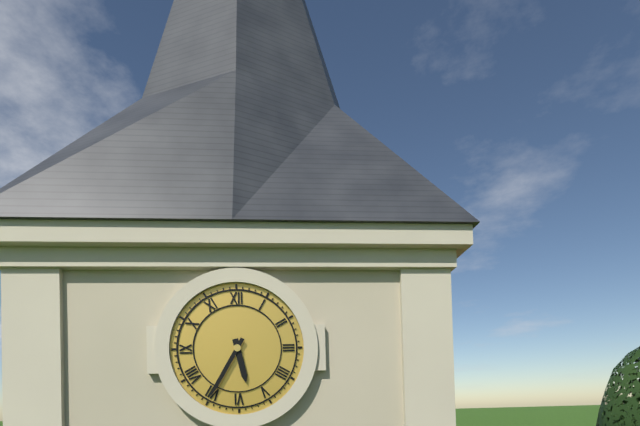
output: h=5 m=35
